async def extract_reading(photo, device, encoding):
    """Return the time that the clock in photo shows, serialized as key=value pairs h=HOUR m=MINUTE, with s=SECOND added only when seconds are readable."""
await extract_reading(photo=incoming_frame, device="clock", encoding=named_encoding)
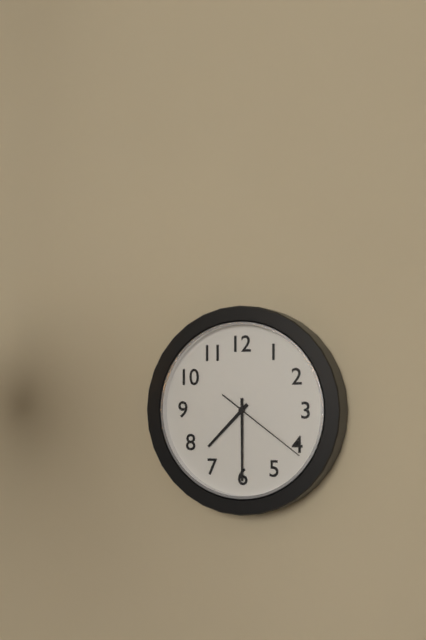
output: h=7 m=30 s=21
